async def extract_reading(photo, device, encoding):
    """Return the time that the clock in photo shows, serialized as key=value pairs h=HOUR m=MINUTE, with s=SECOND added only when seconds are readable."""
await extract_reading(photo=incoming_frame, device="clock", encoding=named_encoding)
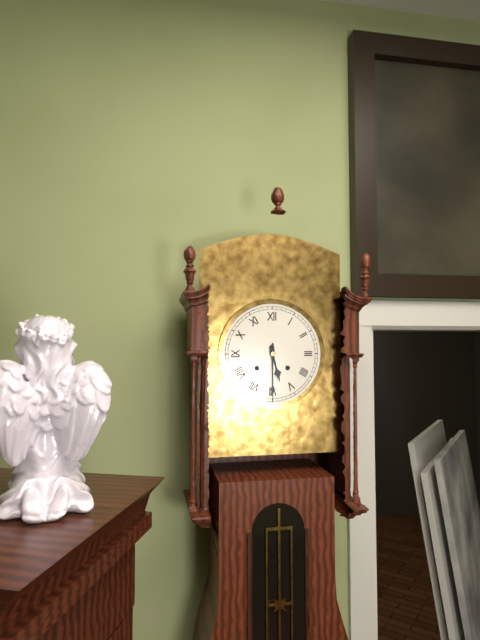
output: h=5 m=30
